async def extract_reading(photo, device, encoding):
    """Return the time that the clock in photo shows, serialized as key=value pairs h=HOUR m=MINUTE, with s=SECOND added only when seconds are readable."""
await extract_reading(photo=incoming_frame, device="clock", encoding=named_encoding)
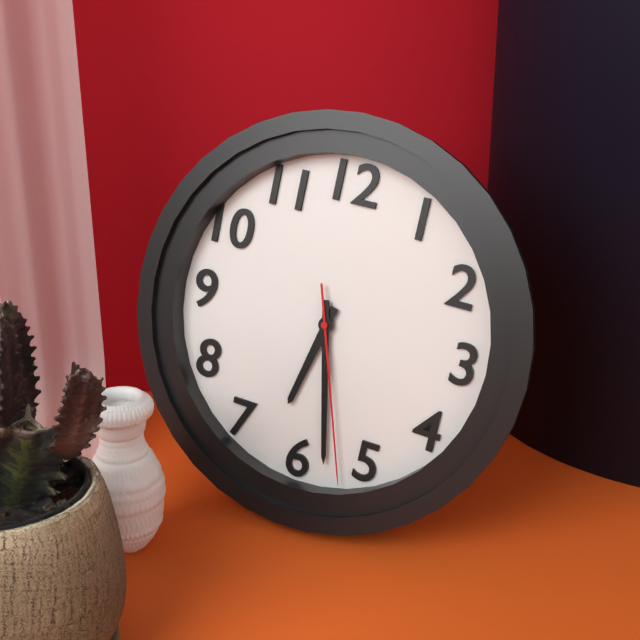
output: h=6 m=28 s=27
